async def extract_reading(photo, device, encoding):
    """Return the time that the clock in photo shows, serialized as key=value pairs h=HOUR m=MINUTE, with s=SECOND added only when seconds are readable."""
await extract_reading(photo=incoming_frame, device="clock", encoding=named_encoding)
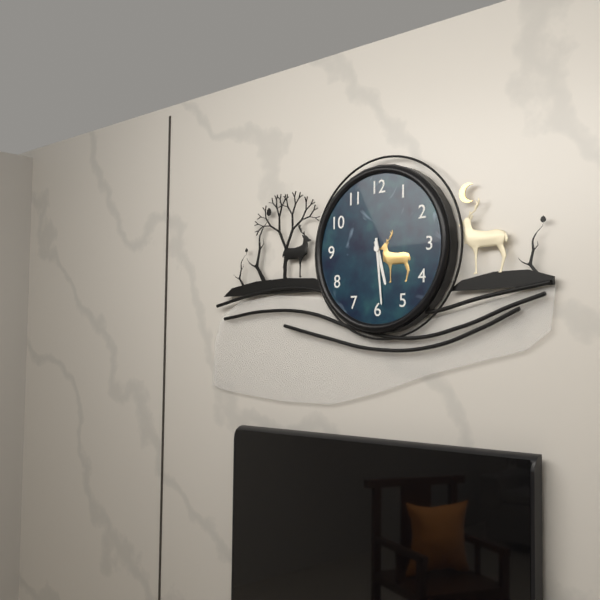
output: h=5 m=29
